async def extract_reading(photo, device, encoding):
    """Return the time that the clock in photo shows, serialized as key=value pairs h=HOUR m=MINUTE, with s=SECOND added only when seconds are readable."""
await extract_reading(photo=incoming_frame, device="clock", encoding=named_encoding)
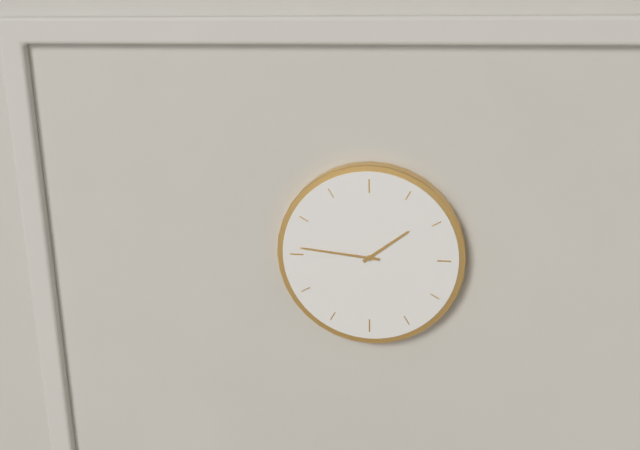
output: h=1 m=46
